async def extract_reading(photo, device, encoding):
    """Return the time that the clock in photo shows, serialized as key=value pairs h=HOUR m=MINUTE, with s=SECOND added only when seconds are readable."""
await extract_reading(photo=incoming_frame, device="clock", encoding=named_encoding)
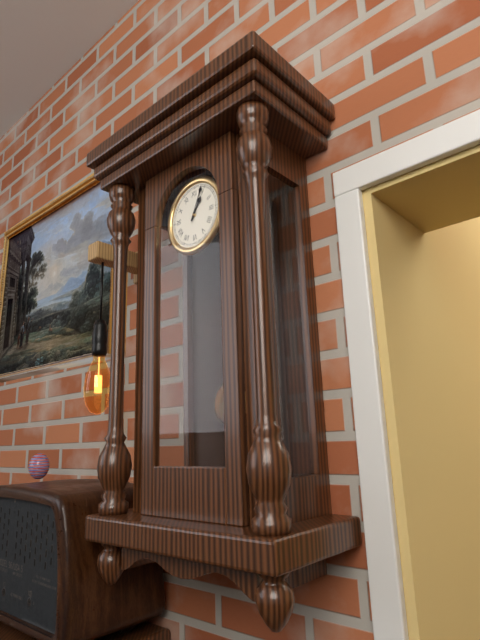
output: h=1 m=4
